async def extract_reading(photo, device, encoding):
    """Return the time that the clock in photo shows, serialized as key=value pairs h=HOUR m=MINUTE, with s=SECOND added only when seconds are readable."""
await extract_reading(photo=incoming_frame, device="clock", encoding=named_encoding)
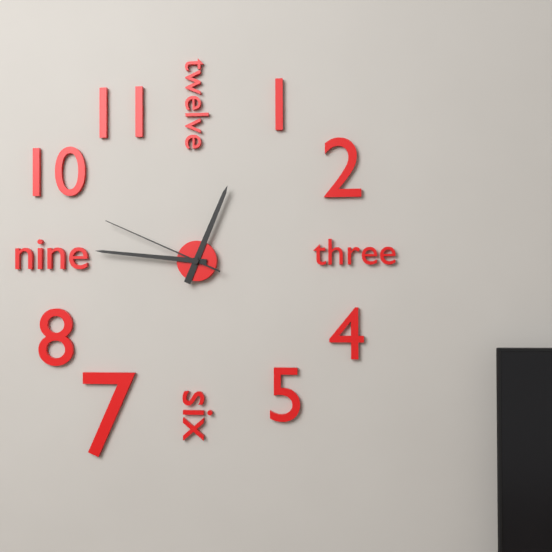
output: h=12 m=46 s=49
